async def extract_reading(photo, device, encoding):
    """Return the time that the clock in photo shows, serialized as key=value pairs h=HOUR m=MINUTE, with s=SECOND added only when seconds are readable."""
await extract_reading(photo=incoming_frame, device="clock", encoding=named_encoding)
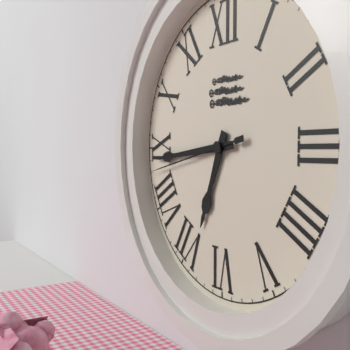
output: h=6 m=44 s=43
